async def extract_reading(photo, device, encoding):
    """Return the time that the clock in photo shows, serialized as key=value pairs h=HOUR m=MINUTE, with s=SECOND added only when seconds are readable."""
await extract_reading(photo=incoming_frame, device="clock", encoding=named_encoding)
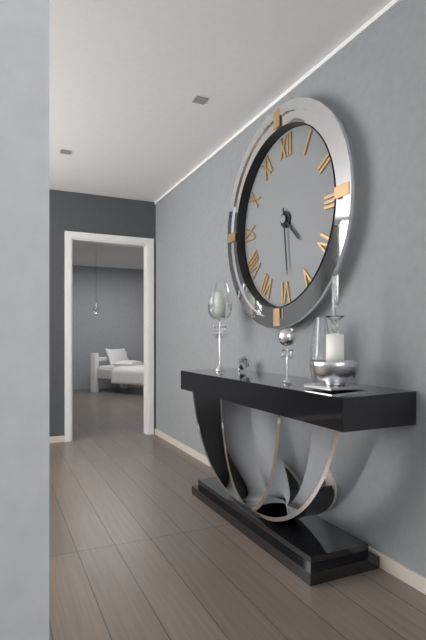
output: h=4 m=29
